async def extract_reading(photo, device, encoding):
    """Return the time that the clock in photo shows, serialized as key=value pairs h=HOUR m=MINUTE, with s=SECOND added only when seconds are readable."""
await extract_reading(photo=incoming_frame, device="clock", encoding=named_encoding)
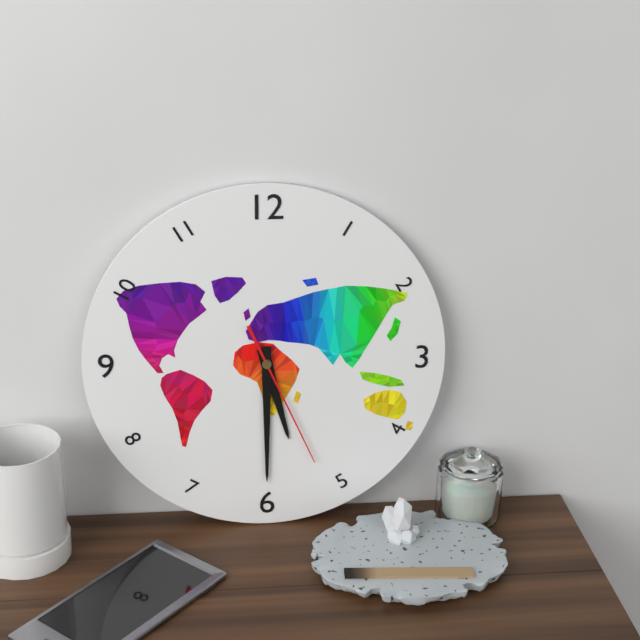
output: h=5 m=30 s=26
